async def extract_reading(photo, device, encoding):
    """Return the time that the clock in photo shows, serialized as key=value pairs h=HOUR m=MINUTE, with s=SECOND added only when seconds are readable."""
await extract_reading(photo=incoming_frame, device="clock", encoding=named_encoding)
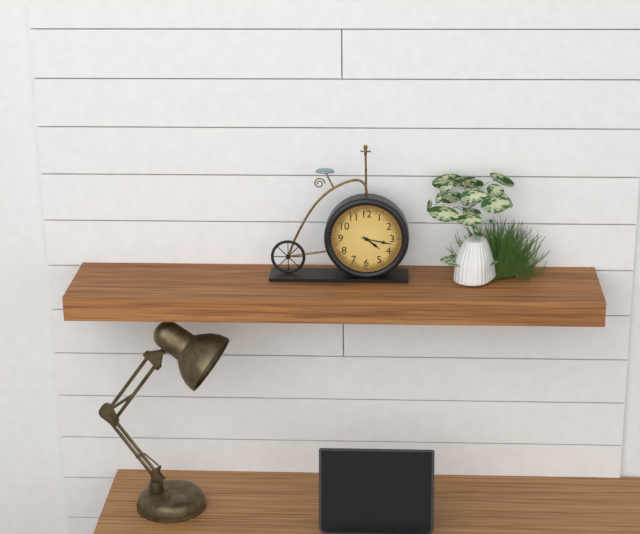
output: h=4 m=17
